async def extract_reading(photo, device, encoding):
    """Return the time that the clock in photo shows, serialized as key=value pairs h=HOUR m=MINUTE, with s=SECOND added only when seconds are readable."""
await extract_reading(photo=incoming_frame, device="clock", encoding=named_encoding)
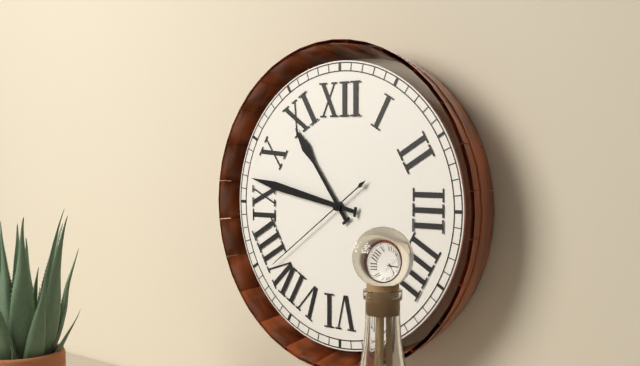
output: h=10 m=47 s=39
